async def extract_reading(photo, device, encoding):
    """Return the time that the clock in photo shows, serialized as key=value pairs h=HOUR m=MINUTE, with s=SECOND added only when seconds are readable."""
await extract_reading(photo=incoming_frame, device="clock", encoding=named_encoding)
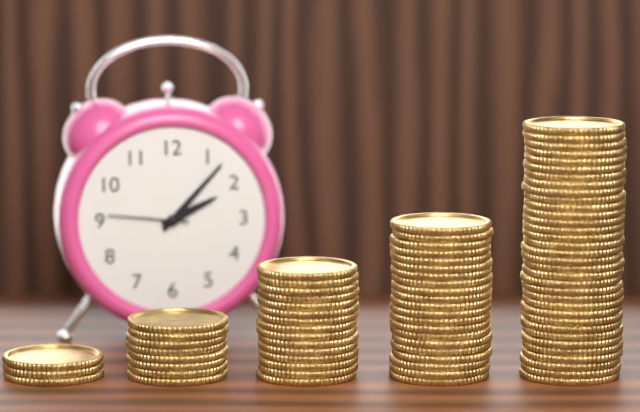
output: h=2 m=7 s=46
